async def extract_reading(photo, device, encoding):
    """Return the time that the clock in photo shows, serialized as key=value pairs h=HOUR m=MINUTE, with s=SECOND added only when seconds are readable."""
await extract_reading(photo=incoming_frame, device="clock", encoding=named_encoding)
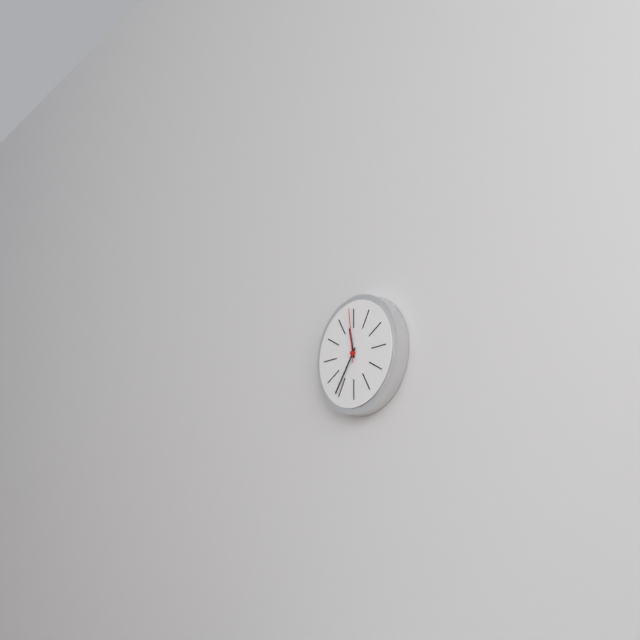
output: h=11 m=36 s=59
